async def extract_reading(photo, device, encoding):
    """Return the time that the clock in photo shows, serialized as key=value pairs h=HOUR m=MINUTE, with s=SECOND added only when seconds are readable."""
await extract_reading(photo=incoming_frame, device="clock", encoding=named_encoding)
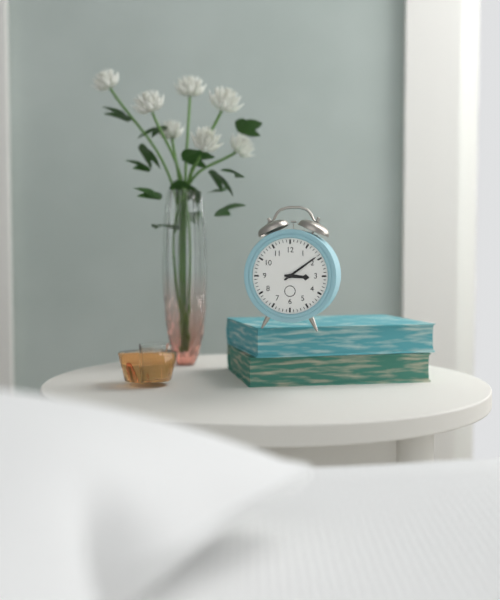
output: h=3 m=9
